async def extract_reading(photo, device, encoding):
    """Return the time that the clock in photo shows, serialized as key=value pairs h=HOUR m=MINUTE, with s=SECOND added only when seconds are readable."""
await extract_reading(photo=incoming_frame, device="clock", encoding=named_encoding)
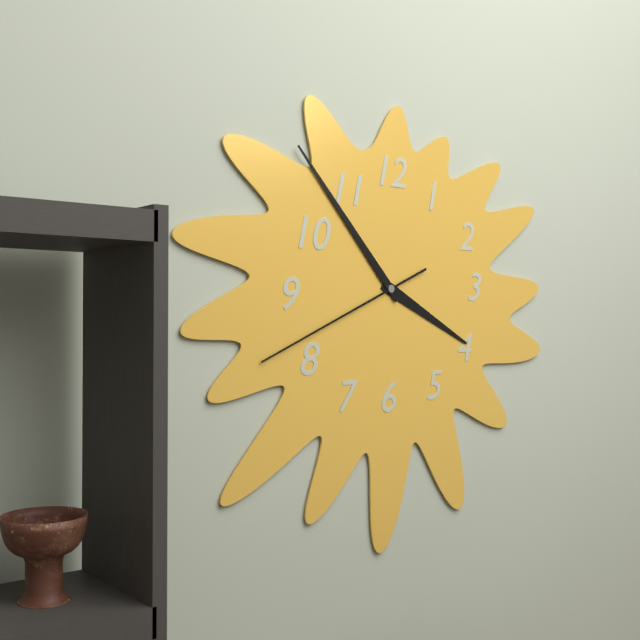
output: h=3 m=53 s=41
